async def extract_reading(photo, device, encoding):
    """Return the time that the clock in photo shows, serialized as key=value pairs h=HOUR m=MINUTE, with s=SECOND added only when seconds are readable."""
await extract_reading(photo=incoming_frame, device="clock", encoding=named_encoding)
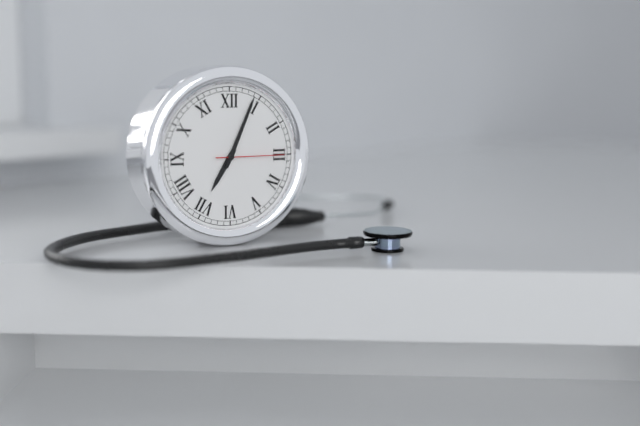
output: h=7 m=4 s=15
